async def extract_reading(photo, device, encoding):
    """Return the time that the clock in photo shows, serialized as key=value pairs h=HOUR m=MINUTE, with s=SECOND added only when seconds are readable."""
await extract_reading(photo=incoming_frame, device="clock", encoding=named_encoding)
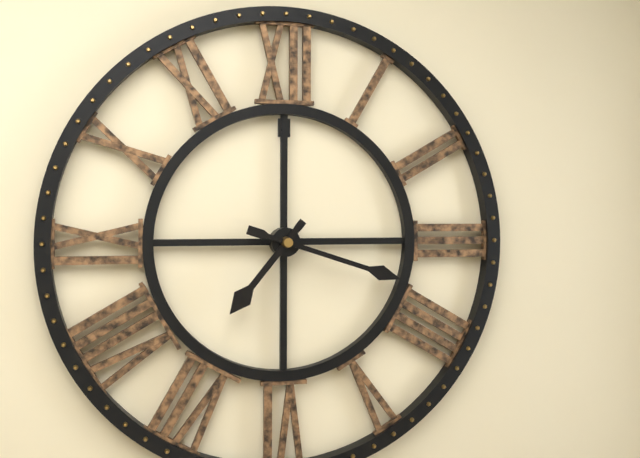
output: h=7 m=18
